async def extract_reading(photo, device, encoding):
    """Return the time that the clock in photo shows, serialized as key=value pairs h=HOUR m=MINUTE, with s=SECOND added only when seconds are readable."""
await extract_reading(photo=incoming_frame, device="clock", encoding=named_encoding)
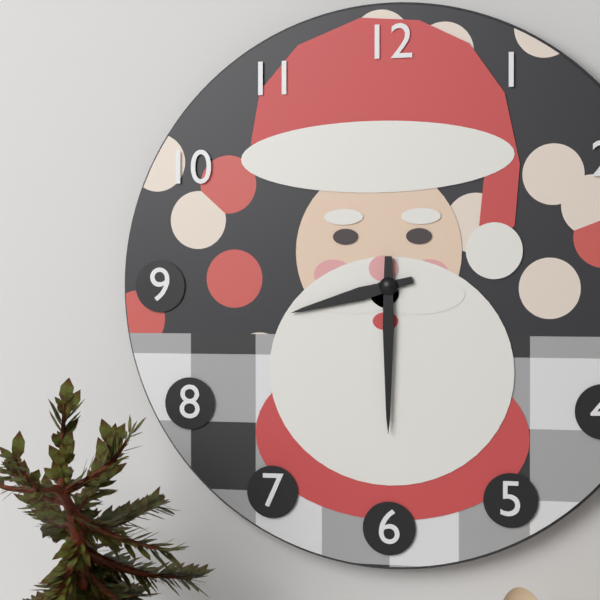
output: h=8 m=30
